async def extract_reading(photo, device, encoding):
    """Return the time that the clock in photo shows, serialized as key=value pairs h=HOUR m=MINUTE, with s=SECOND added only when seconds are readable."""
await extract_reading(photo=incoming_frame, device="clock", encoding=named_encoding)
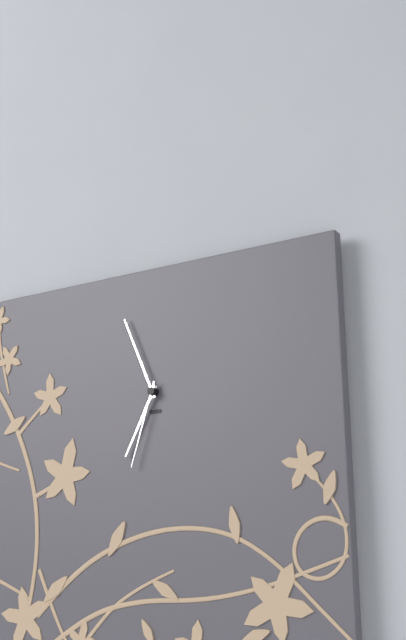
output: h=6 m=56 s=33
